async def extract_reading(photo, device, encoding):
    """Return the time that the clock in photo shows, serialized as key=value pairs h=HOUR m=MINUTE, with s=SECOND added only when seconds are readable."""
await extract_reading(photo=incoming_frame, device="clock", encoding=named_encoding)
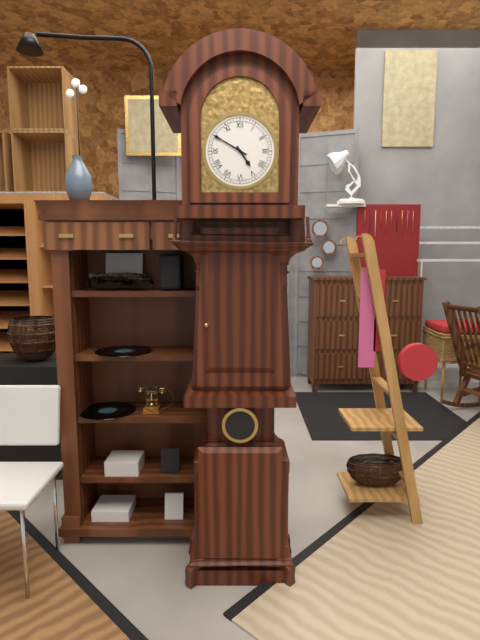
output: h=4 m=50
